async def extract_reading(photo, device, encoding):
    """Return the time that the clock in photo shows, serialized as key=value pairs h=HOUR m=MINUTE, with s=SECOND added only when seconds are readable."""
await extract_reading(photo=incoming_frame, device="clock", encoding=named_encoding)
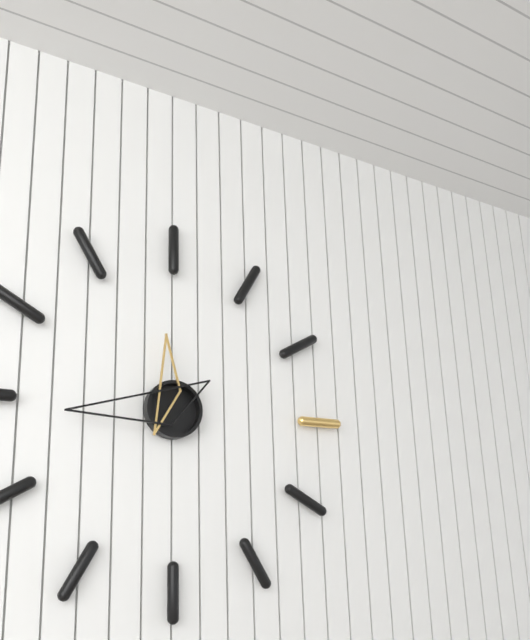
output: h=11 m=44
